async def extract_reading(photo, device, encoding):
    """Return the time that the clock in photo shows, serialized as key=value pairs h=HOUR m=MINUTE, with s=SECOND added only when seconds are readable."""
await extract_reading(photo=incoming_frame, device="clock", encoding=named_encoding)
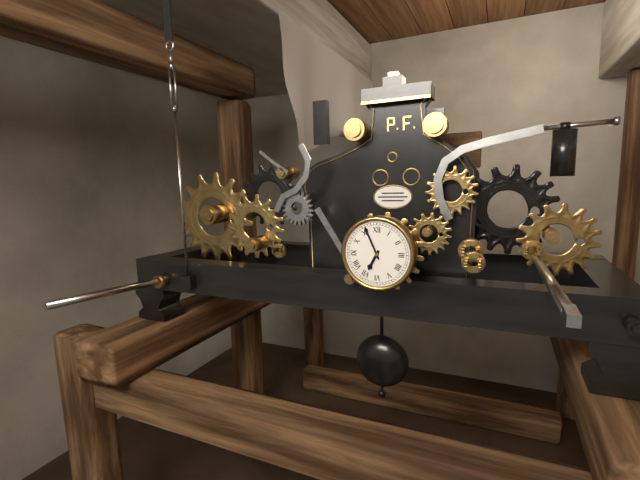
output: h=6 m=56
